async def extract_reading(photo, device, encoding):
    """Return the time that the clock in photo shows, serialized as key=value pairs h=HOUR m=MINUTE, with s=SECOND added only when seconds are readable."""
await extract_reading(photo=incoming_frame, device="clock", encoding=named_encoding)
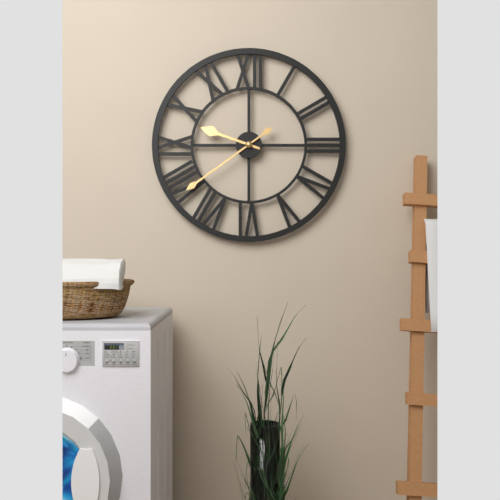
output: h=9 m=39
